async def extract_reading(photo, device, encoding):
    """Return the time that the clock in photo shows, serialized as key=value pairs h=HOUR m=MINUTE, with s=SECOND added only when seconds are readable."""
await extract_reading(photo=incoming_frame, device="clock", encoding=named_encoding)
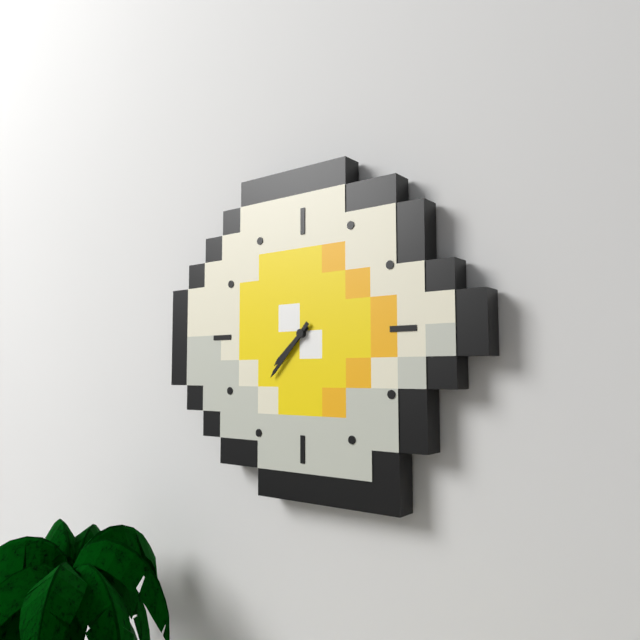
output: h=7 m=37
